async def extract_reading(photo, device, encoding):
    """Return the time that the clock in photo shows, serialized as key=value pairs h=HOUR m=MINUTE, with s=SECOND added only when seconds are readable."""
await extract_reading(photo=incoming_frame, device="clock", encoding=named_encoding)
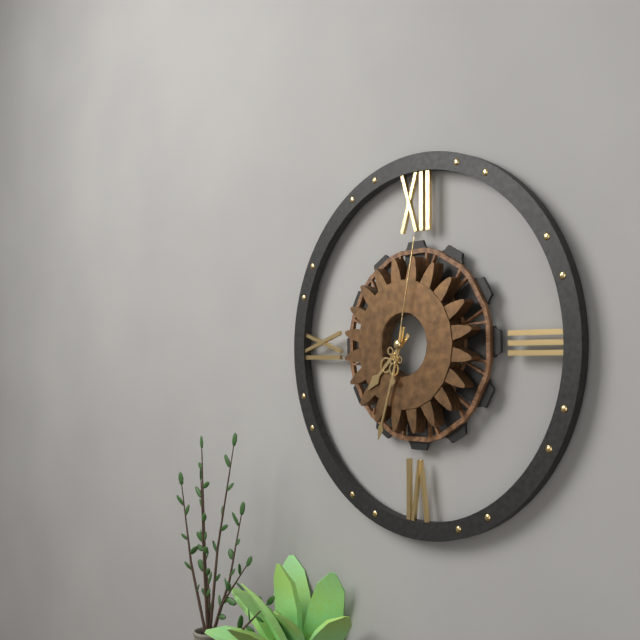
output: h=7 m=33 s=2
